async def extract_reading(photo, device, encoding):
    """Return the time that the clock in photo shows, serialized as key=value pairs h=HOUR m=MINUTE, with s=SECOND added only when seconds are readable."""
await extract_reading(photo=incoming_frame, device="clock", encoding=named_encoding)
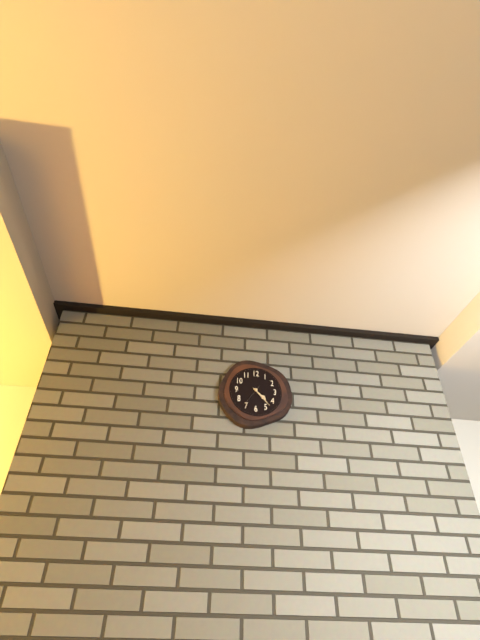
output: h=4 m=23
